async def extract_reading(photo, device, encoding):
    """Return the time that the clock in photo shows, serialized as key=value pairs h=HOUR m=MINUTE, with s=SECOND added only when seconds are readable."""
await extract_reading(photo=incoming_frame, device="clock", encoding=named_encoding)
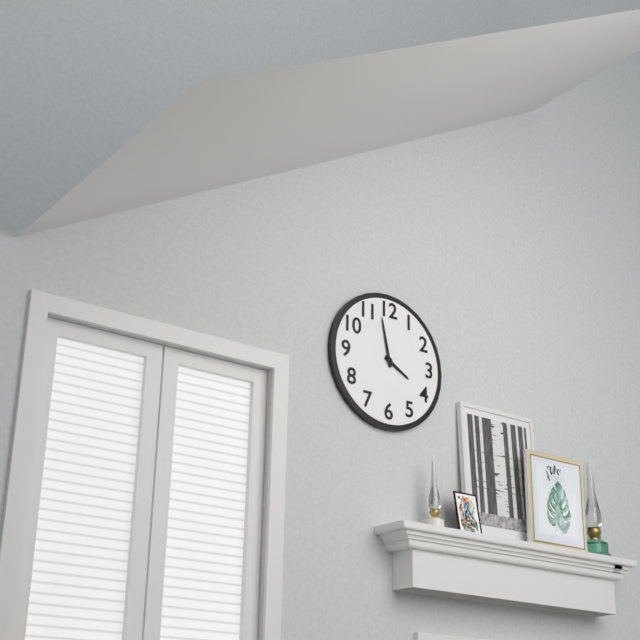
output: h=3 m=58
